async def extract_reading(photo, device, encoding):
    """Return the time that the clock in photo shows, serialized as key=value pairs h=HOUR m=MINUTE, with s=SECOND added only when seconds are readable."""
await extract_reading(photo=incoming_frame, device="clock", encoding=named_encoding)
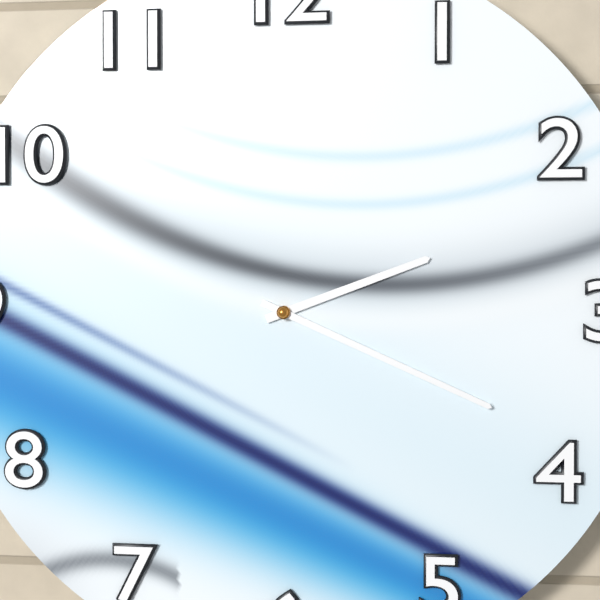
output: h=2 m=19
